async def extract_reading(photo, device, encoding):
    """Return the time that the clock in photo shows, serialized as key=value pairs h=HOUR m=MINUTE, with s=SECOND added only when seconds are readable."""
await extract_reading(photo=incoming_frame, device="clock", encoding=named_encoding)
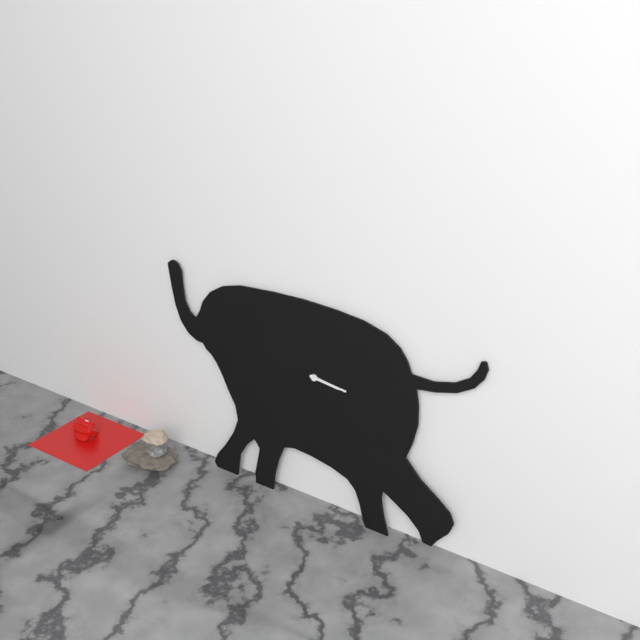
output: h=3 m=16
